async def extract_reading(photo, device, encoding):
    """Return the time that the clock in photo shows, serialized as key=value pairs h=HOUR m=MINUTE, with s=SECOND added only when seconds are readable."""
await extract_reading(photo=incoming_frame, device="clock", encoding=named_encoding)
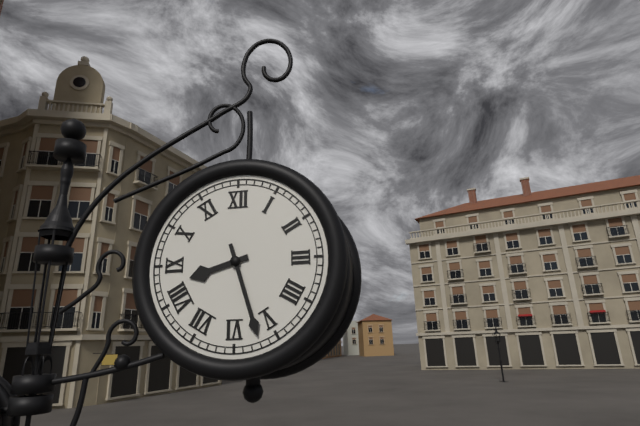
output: h=8 m=27
